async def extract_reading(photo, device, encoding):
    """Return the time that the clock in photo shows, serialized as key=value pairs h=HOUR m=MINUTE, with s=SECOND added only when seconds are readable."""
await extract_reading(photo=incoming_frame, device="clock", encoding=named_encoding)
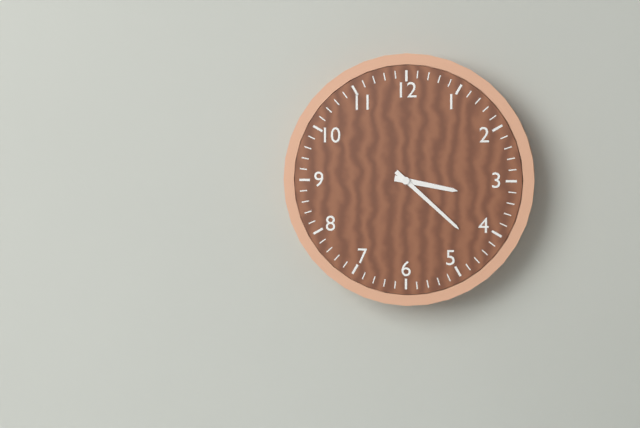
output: h=3 m=22
